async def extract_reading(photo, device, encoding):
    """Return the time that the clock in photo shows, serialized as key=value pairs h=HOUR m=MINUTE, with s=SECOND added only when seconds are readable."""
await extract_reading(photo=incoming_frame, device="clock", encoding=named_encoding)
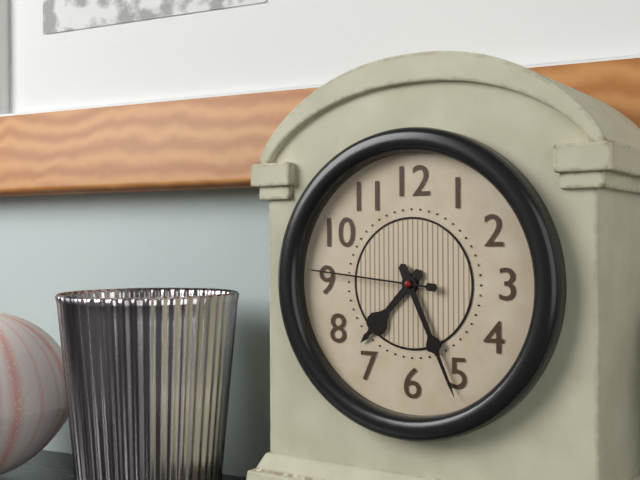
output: h=7 m=26 s=46
